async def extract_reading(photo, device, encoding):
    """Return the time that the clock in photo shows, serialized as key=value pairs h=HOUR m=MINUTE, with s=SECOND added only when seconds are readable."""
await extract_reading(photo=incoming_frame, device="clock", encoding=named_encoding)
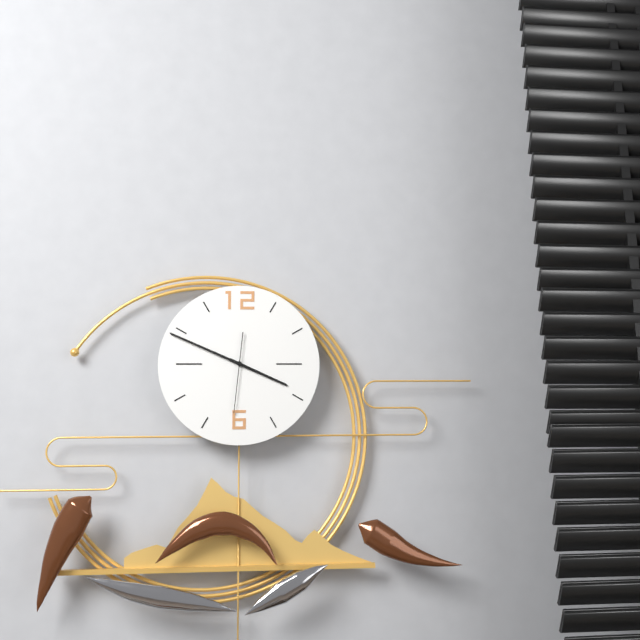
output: h=3 m=49 s=31
